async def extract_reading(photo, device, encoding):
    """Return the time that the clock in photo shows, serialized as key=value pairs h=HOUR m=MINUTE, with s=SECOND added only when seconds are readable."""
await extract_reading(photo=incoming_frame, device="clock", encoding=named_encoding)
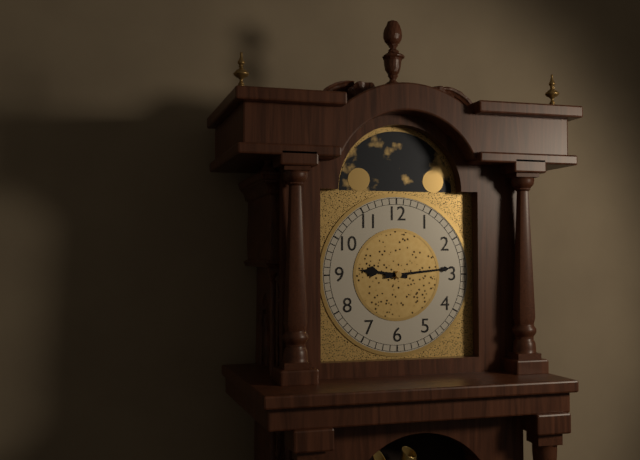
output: h=9 m=14
